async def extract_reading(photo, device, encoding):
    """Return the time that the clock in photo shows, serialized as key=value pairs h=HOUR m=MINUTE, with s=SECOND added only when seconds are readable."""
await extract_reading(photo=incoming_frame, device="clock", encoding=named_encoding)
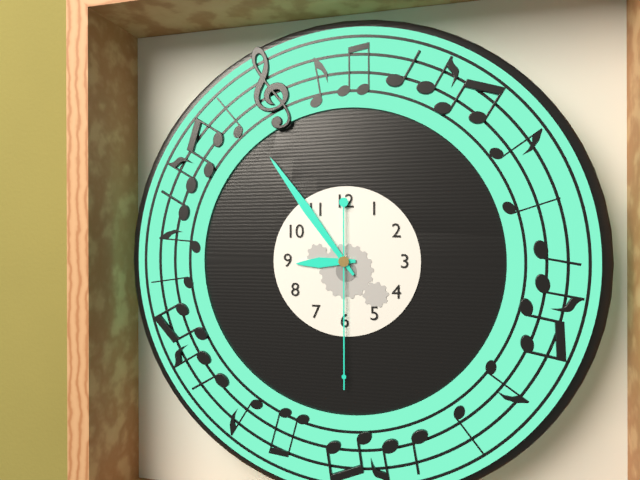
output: h=8 m=54 s=30
